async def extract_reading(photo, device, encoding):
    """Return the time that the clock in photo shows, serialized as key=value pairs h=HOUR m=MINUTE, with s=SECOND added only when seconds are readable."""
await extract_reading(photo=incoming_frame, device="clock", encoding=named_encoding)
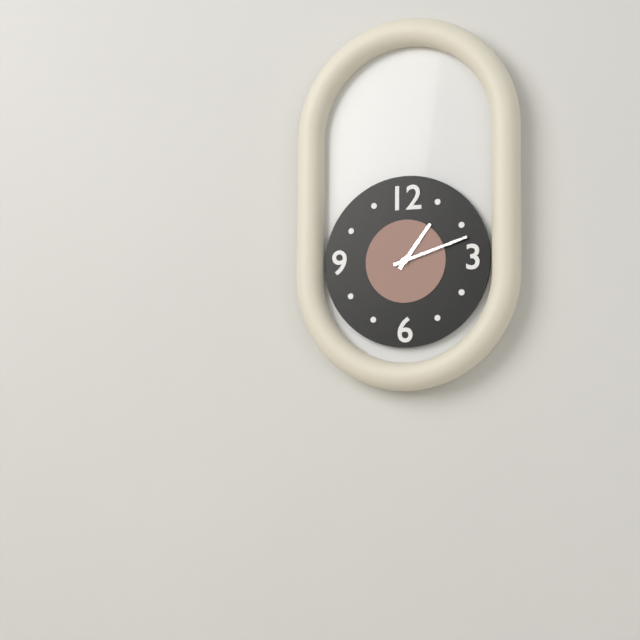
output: h=1 m=12
